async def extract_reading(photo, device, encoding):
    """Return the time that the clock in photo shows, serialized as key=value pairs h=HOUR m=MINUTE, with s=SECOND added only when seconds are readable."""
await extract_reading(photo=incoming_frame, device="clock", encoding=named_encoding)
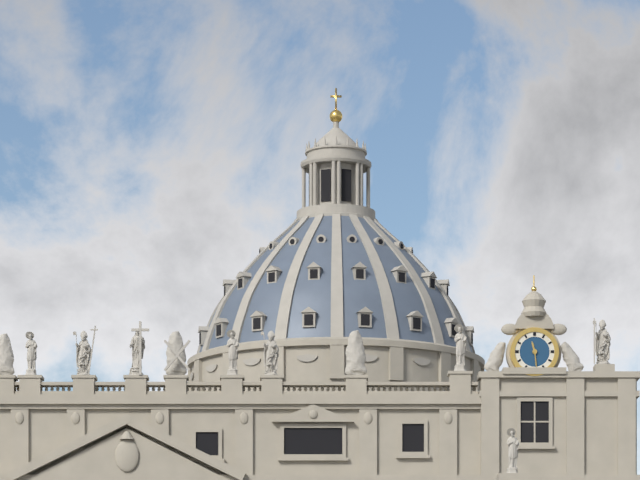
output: h=11 m=29
